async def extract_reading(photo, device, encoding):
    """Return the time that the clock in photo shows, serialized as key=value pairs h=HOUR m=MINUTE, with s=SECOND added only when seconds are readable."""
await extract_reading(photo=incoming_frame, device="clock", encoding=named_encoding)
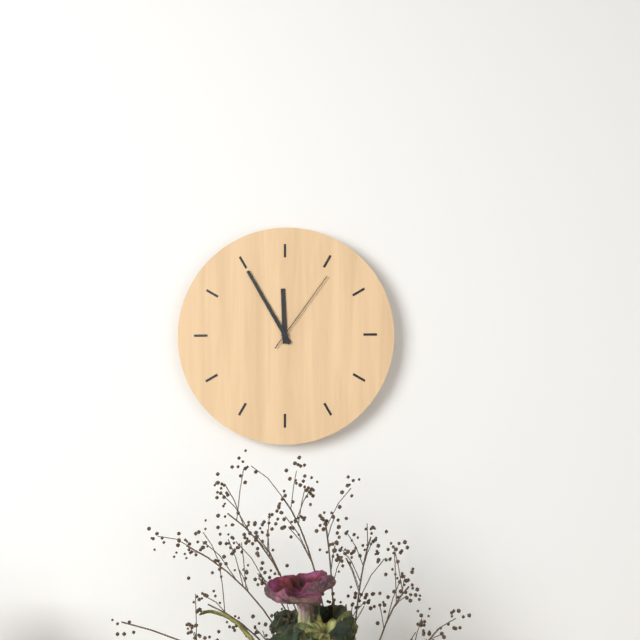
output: h=11 m=55 s=6
